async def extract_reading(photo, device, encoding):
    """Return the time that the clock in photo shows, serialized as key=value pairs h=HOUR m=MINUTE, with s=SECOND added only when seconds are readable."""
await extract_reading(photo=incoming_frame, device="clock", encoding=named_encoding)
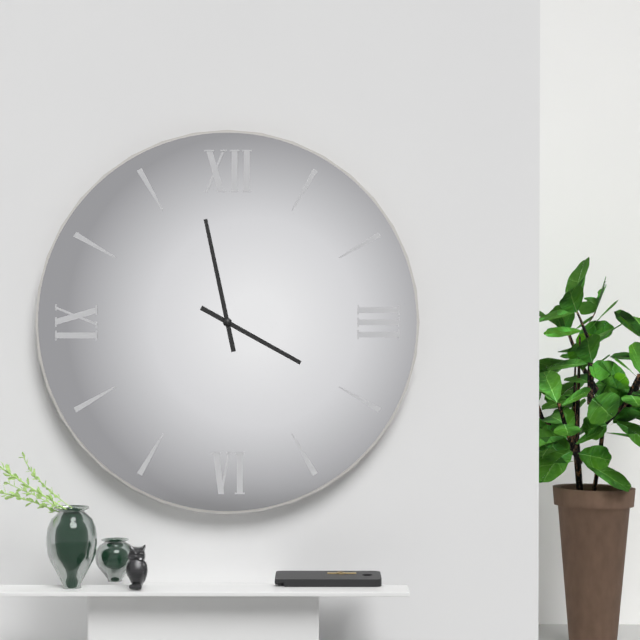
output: h=3 m=58
